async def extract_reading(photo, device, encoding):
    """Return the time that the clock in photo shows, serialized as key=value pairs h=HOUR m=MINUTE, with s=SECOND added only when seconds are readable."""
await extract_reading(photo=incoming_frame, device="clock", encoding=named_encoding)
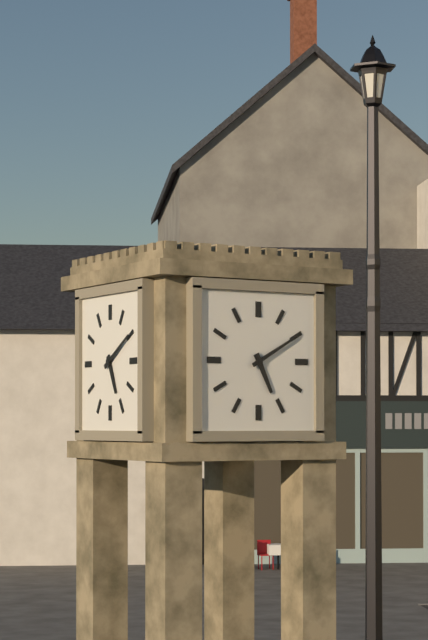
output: h=5 m=10
